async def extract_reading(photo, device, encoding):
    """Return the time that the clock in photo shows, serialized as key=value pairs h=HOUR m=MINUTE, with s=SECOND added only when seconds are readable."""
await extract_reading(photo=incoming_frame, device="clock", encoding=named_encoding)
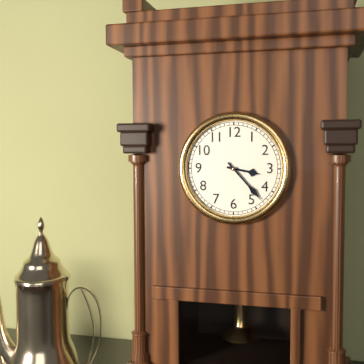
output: h=3 m=23
